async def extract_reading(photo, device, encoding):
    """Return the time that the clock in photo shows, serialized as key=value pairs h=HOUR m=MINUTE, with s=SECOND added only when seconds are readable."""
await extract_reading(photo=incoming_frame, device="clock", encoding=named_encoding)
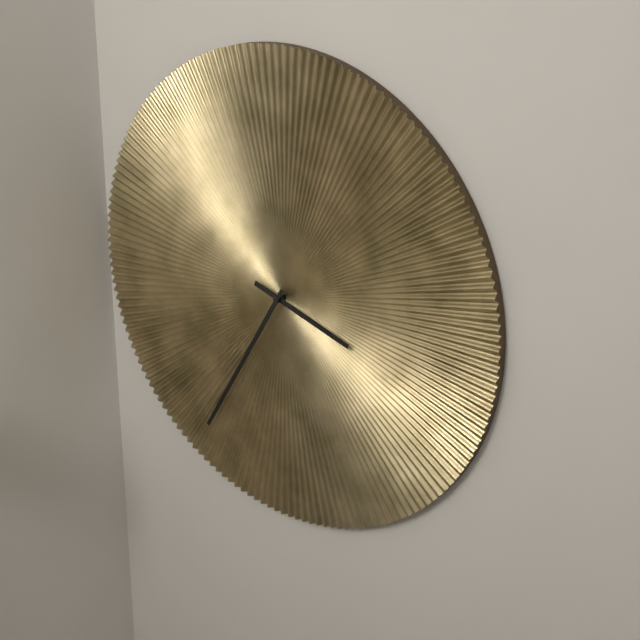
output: h=3 m=35
